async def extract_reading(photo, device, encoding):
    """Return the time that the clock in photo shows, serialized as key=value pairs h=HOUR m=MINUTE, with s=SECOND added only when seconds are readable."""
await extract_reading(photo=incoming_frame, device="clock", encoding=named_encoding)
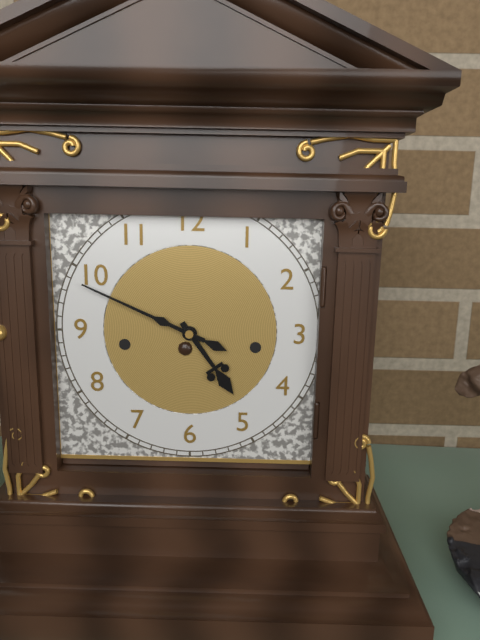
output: h=4 m=49
